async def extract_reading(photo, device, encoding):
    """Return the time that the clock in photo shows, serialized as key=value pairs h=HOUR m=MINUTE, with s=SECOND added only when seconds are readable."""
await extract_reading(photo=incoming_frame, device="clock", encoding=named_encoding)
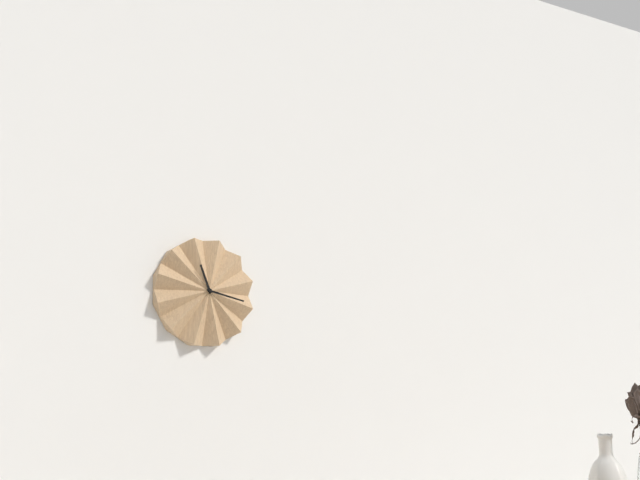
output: h=11 m=17
